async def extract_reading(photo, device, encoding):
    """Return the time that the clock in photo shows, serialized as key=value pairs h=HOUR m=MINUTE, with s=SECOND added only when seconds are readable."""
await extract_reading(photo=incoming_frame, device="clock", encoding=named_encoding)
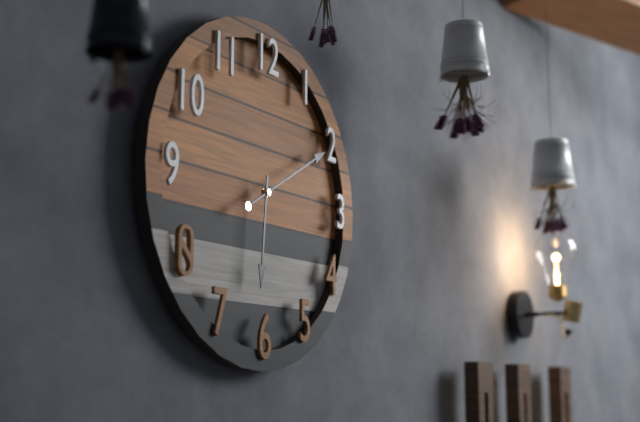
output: h=6 m=10
